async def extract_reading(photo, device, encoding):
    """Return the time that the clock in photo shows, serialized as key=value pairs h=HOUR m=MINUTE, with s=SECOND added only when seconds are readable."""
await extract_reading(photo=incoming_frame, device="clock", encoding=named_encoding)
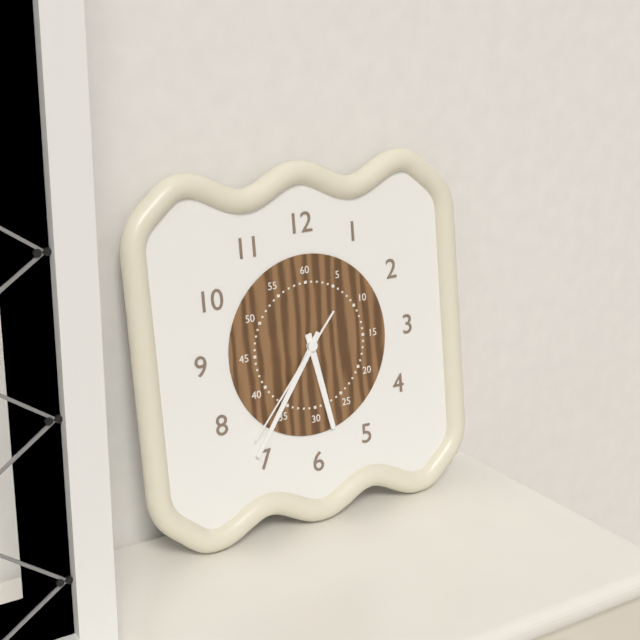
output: h=5 m=36 s=37
